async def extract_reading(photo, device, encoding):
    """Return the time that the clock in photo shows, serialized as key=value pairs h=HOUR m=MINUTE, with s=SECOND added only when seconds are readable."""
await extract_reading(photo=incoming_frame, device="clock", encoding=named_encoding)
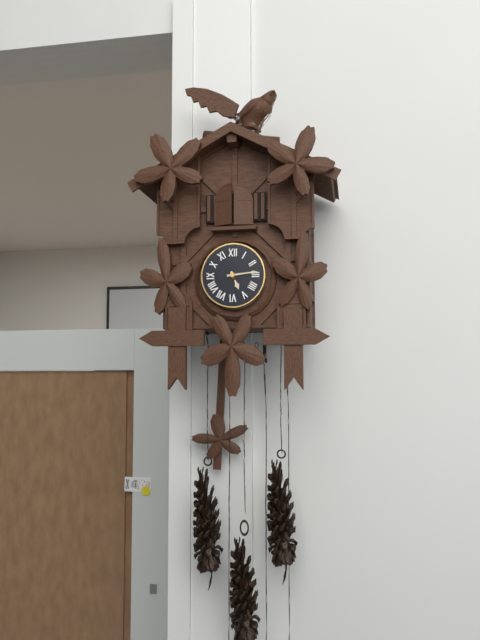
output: h=5 m=14
